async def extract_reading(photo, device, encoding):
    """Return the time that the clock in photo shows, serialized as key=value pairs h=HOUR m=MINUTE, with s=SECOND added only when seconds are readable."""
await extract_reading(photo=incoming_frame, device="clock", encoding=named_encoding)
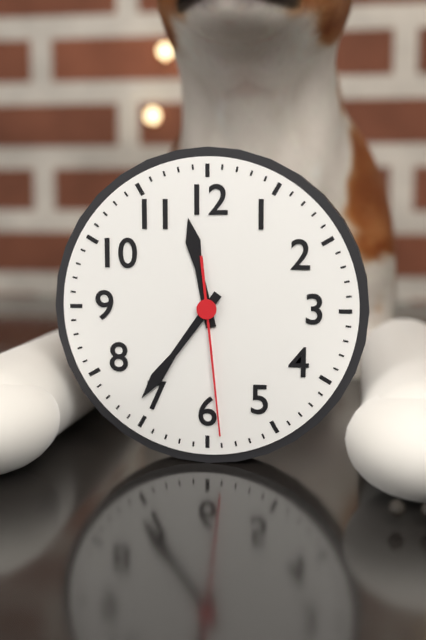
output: h=11 m=36 s=29
